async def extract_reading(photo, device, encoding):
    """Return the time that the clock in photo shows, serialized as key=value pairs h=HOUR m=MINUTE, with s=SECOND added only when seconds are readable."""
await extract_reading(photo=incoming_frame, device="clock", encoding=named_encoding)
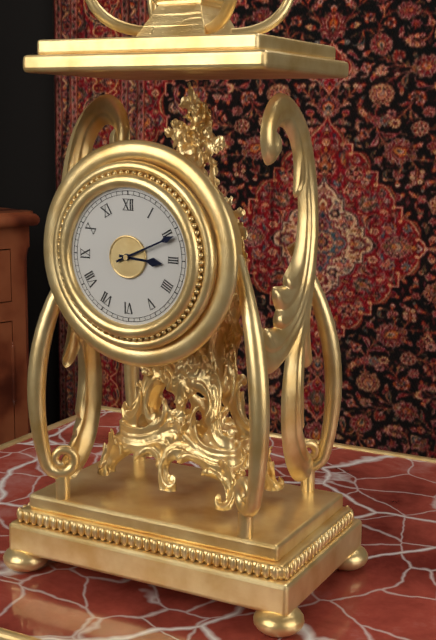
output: h=3 m=11
